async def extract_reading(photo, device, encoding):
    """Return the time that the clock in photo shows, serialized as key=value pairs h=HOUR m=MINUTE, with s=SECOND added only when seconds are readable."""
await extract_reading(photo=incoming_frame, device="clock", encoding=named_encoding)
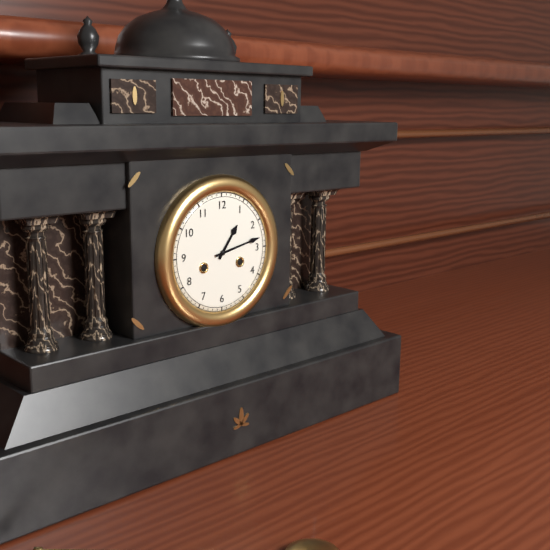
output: h=1 m=13
